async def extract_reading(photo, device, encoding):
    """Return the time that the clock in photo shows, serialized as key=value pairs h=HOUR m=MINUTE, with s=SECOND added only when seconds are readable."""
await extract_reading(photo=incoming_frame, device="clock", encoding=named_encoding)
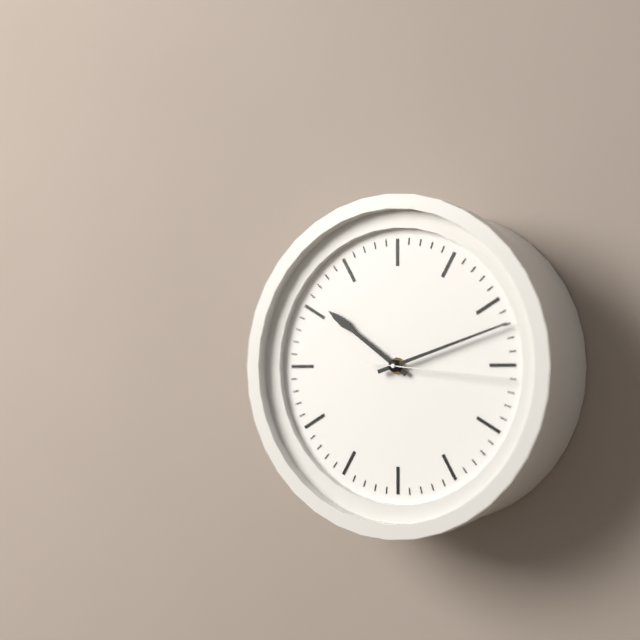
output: h=10 m=12 s=16
